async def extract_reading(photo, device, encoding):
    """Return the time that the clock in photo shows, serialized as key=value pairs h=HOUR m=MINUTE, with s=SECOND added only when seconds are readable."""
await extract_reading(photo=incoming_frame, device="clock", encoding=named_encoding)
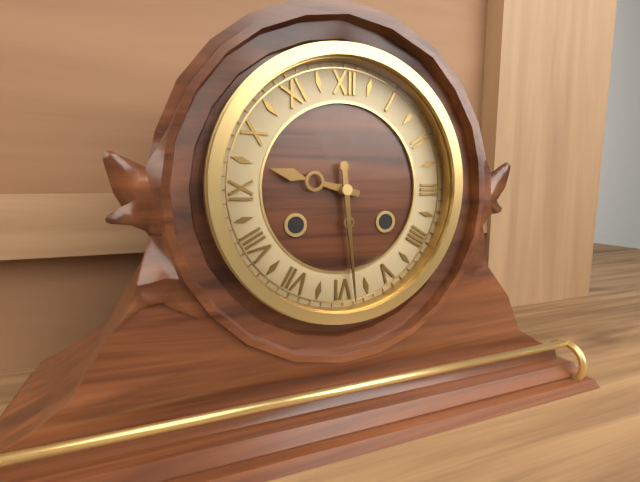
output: h=9 m=29
